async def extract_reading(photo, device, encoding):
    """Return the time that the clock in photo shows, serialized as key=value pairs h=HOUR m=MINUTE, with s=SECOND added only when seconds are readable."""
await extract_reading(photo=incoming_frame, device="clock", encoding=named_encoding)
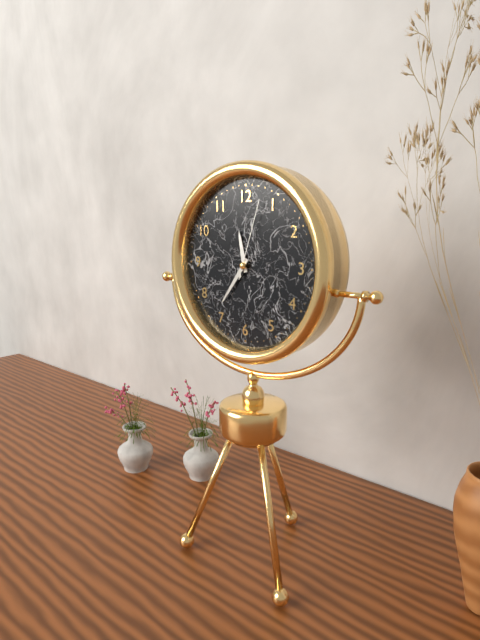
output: h=11 m=36 s=3
